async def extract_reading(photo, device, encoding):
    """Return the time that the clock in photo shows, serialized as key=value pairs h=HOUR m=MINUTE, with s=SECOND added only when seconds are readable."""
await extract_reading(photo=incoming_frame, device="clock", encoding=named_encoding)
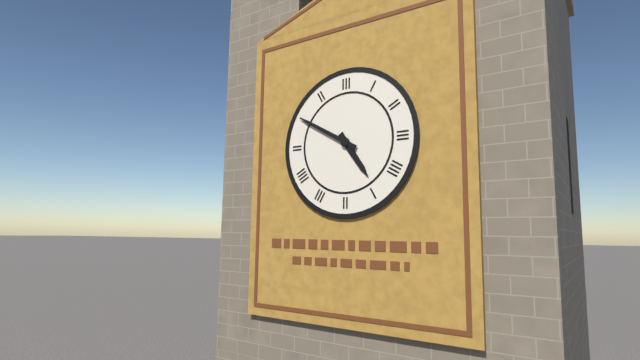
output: h=4 m=50
